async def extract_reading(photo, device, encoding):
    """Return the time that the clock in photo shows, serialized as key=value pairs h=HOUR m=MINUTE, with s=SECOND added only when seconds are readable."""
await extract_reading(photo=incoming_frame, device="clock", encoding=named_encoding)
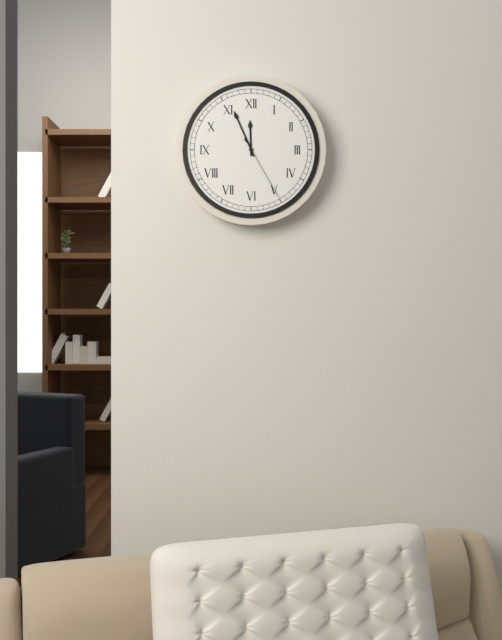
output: h=11 m=56 s=25
